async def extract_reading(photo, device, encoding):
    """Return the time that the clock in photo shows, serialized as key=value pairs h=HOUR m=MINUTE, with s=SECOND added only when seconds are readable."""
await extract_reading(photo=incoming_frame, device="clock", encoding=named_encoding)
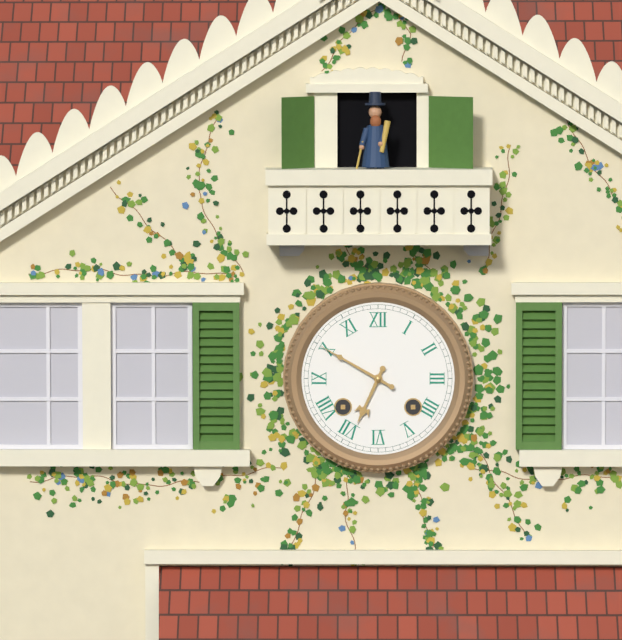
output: h=6 m=50
